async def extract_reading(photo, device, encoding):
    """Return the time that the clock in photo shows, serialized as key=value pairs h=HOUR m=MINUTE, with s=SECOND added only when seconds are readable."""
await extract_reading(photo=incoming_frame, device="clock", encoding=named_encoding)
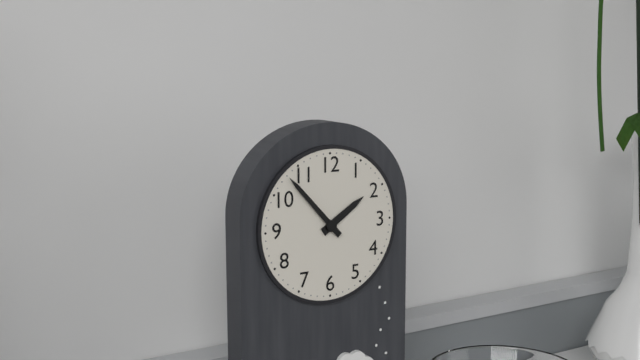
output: h=1 m=53
